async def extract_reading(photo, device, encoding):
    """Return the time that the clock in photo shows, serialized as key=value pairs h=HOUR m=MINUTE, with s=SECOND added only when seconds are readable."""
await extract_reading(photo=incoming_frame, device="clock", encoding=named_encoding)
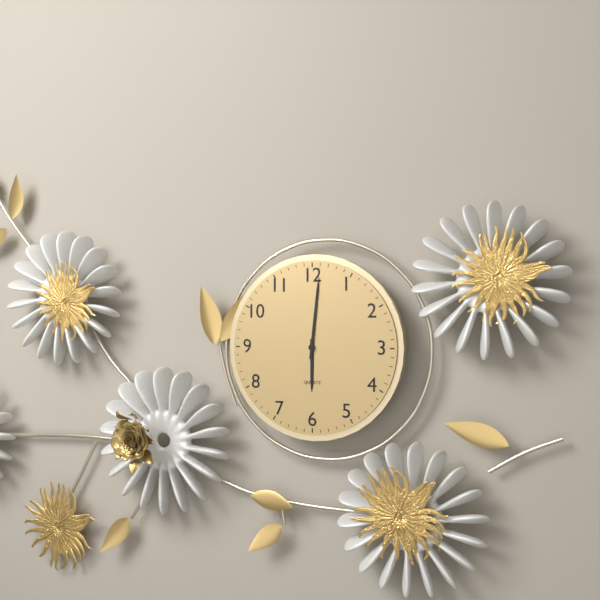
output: h=6 m=1
